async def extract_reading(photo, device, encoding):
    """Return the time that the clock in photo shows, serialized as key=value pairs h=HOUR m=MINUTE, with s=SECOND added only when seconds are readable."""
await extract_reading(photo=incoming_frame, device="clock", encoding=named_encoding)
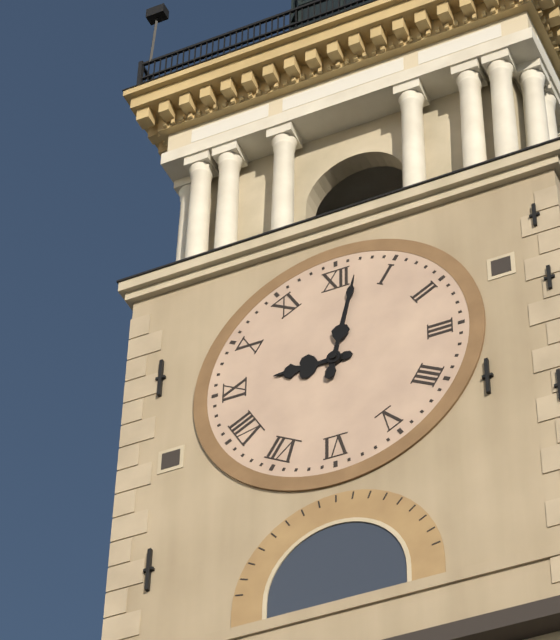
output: h=9 m=2
